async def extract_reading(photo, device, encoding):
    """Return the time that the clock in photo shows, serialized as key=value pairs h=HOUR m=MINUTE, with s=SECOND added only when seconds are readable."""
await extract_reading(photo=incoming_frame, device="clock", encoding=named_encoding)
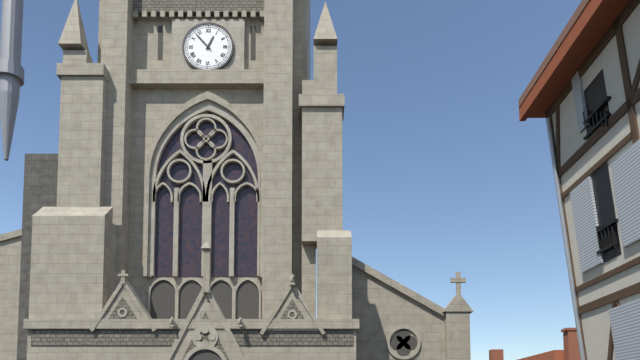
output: h=12 m=53
